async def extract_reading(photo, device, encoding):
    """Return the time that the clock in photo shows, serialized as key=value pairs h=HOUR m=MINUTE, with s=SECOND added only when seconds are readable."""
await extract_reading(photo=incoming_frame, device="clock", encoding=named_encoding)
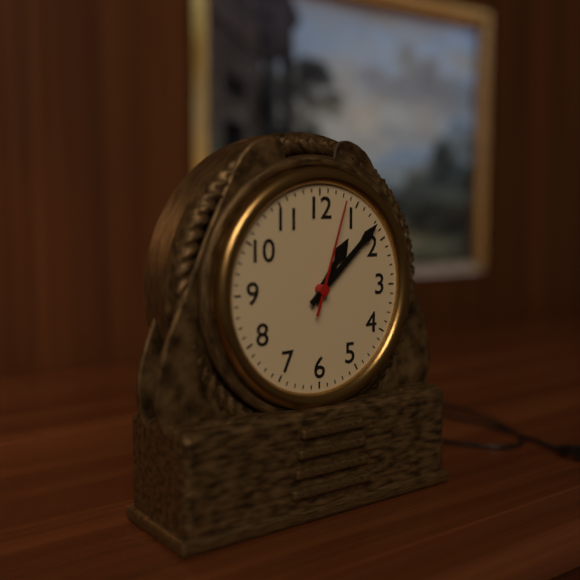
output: h=1 m=8 s=3
